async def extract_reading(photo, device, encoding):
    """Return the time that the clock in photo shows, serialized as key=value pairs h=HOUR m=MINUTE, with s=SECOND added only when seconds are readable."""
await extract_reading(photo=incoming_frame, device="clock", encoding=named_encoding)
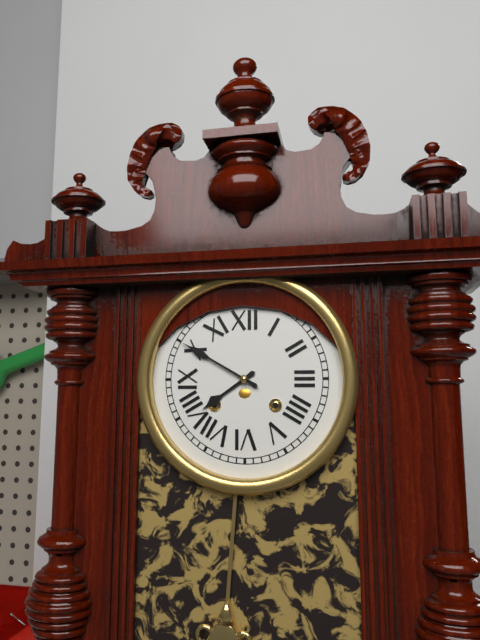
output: h=7 m=50
